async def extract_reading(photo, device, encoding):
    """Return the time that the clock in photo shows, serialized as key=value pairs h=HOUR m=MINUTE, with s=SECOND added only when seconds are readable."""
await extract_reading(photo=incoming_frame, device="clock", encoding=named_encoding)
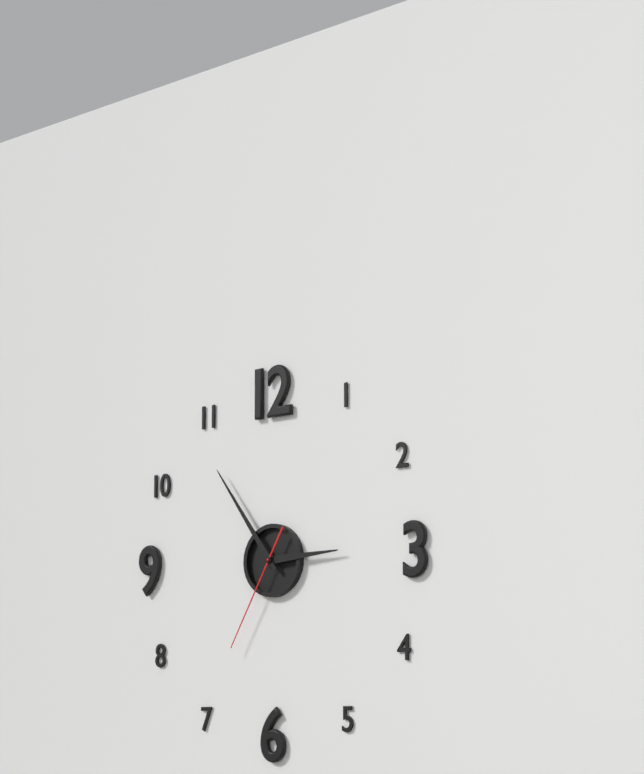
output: h=2 m=54 s=35
